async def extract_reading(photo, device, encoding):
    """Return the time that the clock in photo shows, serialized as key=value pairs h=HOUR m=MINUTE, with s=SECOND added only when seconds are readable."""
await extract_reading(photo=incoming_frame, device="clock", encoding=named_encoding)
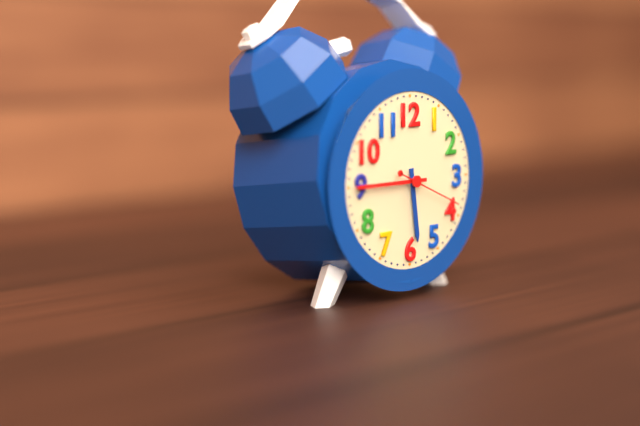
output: h=5 m=45 s=19
